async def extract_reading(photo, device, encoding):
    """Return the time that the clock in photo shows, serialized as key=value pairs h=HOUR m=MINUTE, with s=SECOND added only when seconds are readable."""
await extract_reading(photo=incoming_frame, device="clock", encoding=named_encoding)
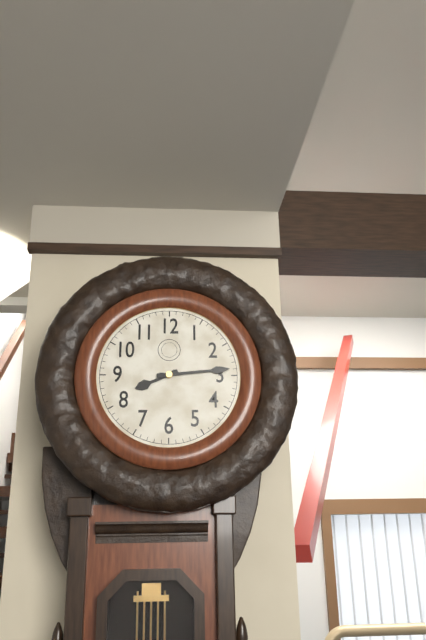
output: h=8 m=14
